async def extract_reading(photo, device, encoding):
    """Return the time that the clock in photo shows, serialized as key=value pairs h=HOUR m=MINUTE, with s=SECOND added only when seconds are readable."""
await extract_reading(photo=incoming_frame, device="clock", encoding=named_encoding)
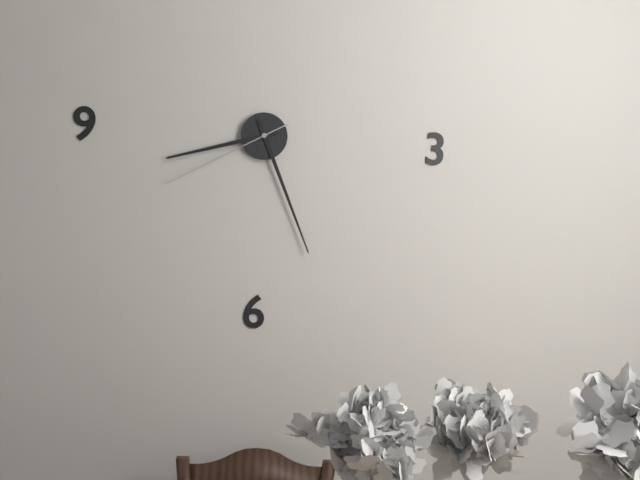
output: h=8 m=26 s=40
